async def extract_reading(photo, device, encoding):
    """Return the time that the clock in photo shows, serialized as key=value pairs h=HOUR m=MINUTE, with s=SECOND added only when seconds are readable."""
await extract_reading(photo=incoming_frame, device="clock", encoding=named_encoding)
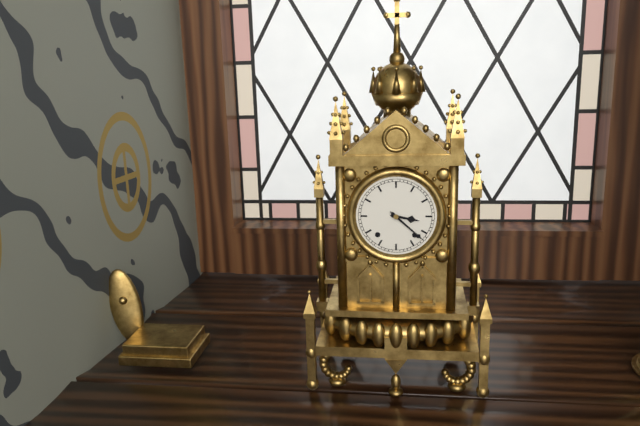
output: h=3 m=22
